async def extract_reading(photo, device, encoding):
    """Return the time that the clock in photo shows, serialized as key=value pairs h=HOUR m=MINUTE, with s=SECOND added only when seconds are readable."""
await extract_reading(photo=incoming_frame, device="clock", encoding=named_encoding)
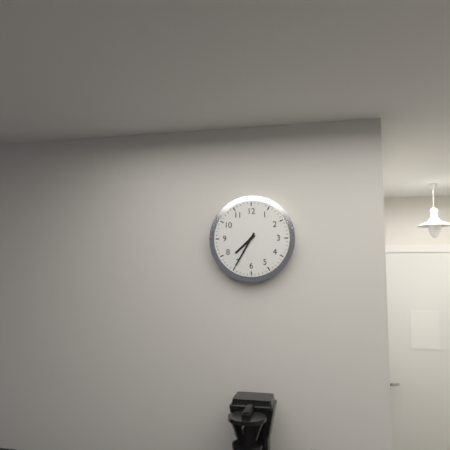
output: h=7 m=35
